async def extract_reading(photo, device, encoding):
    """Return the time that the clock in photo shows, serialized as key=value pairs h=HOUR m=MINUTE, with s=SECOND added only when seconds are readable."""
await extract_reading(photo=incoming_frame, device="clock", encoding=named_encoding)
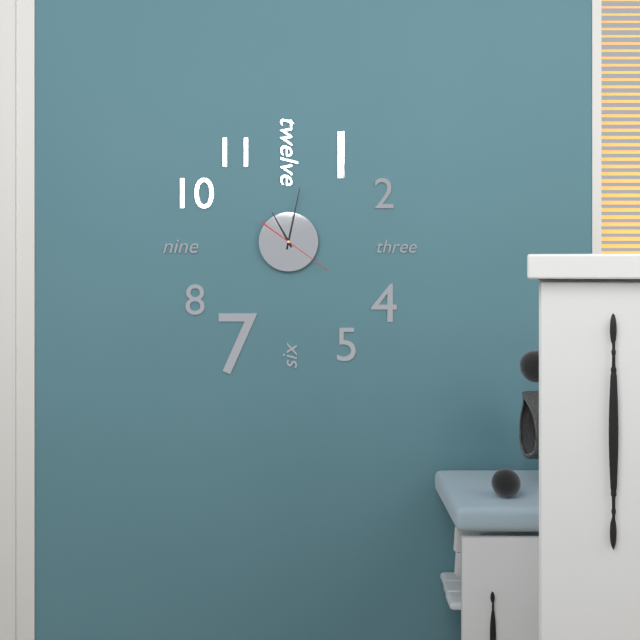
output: h=11 m=2 s=21
